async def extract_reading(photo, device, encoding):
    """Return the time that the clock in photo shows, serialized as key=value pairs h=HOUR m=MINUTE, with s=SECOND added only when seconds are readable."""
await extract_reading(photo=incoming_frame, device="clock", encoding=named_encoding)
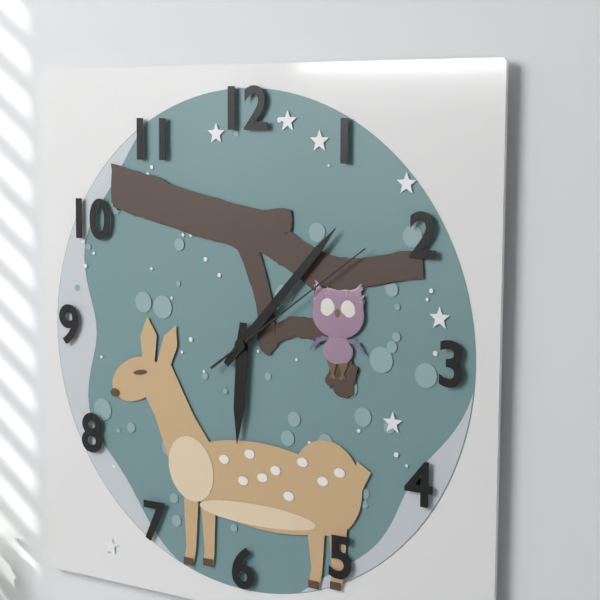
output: h=6 m=7 s=9
